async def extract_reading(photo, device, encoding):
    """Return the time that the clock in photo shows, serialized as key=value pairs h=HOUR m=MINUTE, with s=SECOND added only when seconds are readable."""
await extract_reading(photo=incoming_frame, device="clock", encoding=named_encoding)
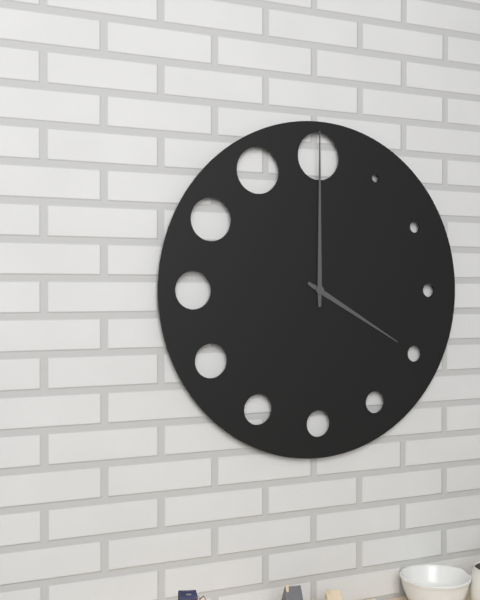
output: h=4 m=0
